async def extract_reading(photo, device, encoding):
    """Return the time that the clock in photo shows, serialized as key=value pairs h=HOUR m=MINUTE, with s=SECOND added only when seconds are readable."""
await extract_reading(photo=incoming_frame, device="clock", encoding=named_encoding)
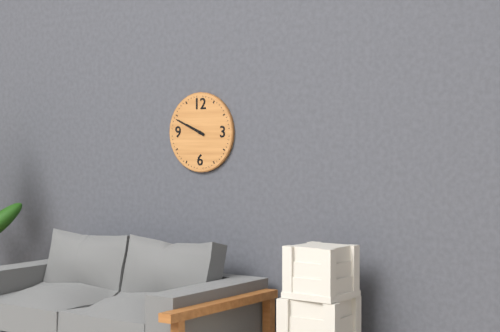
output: h=9 m=49
